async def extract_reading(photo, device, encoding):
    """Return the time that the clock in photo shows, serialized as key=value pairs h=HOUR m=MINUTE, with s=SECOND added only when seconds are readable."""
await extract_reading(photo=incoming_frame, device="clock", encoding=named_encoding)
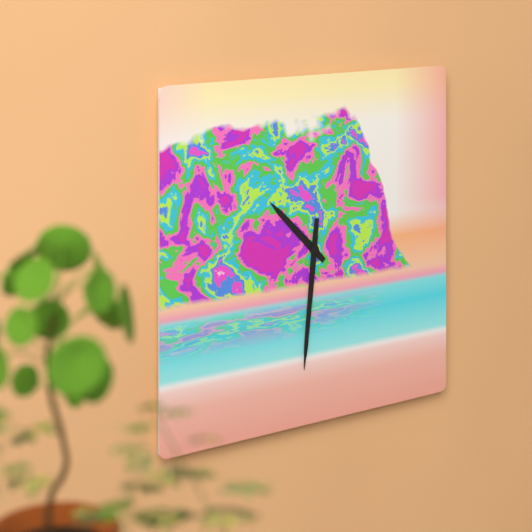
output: h=10 m=31
